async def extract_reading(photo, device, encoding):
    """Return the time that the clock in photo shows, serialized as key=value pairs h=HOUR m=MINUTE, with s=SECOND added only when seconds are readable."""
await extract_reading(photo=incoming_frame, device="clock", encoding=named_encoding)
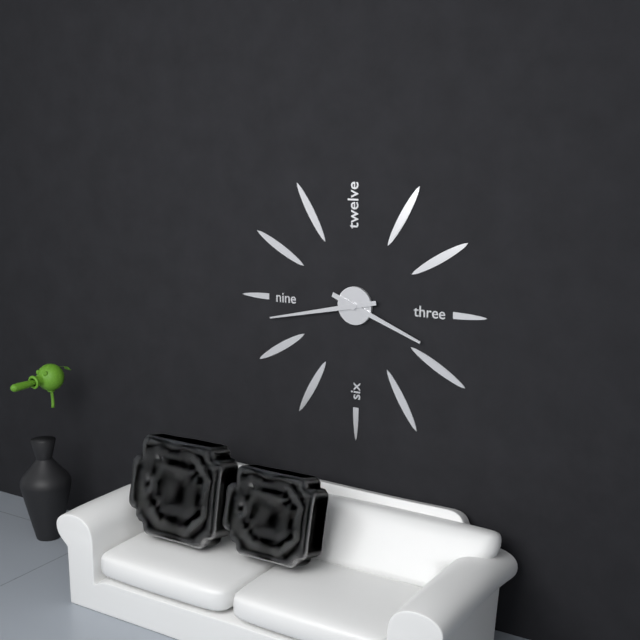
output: h=3 m=43
